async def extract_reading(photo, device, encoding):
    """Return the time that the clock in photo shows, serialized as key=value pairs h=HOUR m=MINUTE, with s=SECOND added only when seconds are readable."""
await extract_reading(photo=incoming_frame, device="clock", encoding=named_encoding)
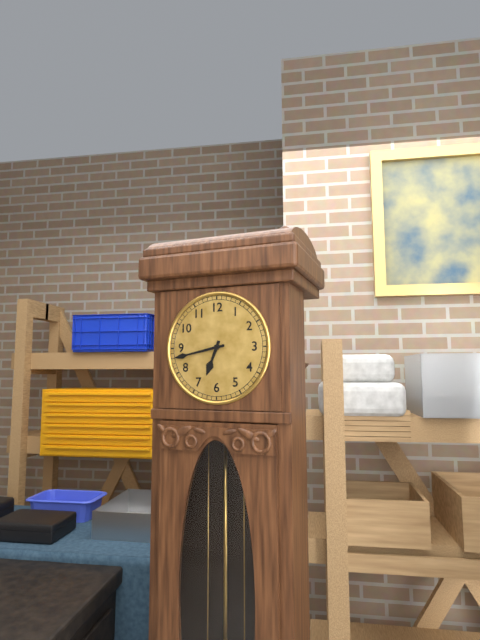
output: h=6 m=43
